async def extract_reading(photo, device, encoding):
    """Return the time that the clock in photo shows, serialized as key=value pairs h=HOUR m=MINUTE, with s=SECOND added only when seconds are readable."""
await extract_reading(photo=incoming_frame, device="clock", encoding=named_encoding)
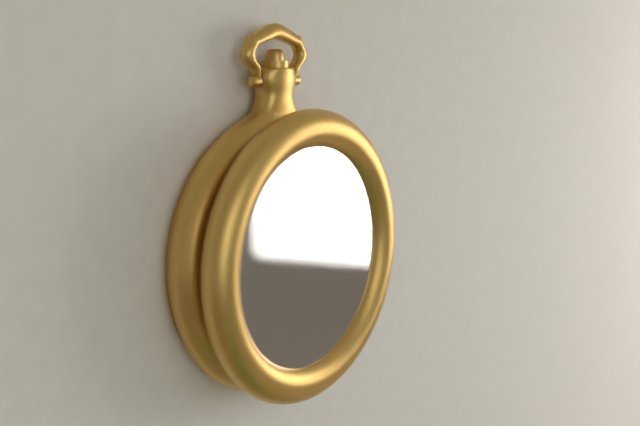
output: h=7 m=29
